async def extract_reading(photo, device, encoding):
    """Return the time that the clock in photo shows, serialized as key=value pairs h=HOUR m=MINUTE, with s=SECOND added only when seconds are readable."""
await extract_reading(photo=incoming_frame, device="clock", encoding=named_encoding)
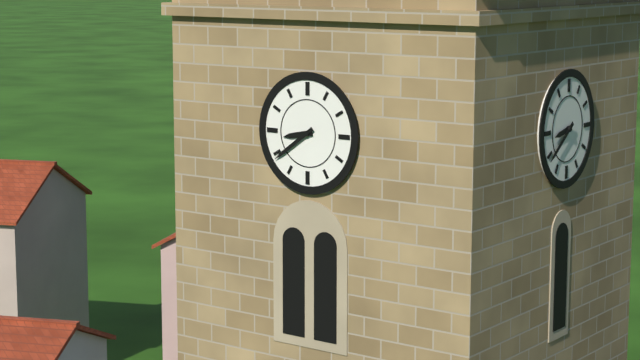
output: h=8 m=39
